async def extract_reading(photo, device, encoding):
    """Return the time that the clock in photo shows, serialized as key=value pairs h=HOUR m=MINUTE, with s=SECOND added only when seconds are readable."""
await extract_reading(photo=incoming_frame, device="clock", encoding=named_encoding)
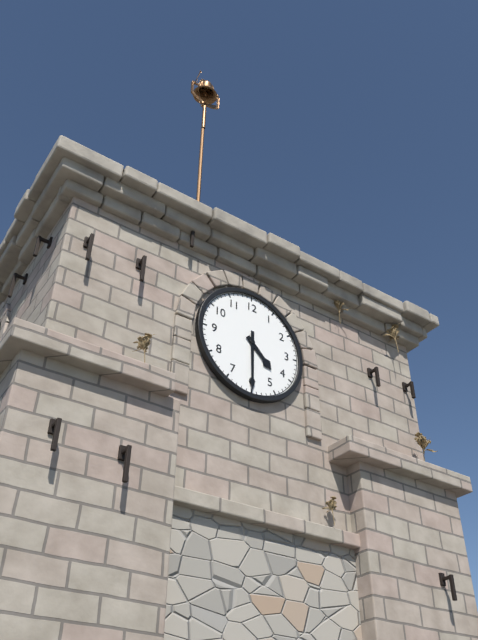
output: h=4 m=30
